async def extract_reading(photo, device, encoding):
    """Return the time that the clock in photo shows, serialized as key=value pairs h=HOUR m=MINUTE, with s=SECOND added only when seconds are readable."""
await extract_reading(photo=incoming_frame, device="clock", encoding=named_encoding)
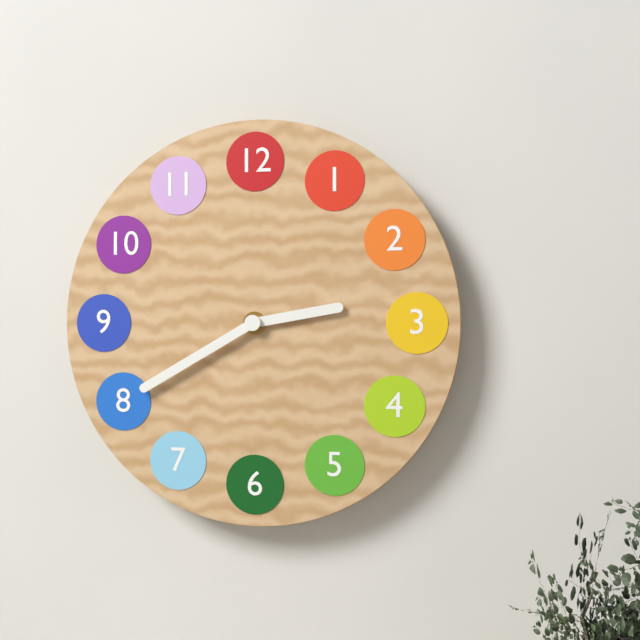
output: h=2 m=40
